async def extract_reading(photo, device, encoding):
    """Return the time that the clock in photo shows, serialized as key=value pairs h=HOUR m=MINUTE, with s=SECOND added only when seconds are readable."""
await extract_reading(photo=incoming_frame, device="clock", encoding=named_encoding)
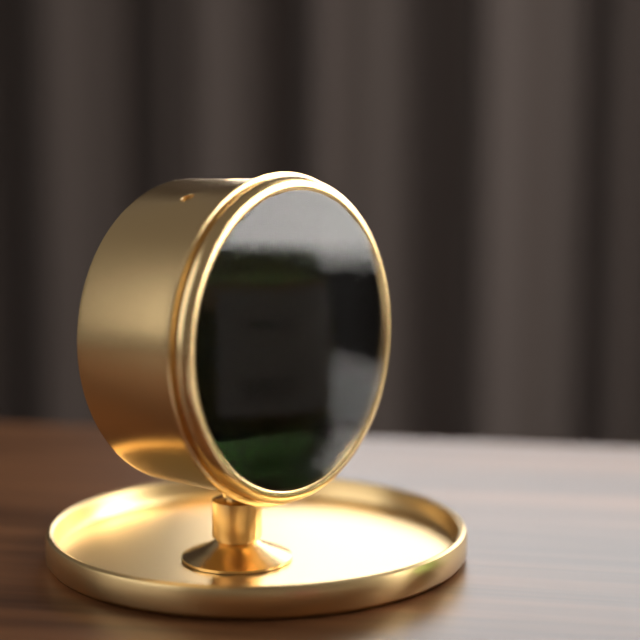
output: h=10 m=51 s=48
